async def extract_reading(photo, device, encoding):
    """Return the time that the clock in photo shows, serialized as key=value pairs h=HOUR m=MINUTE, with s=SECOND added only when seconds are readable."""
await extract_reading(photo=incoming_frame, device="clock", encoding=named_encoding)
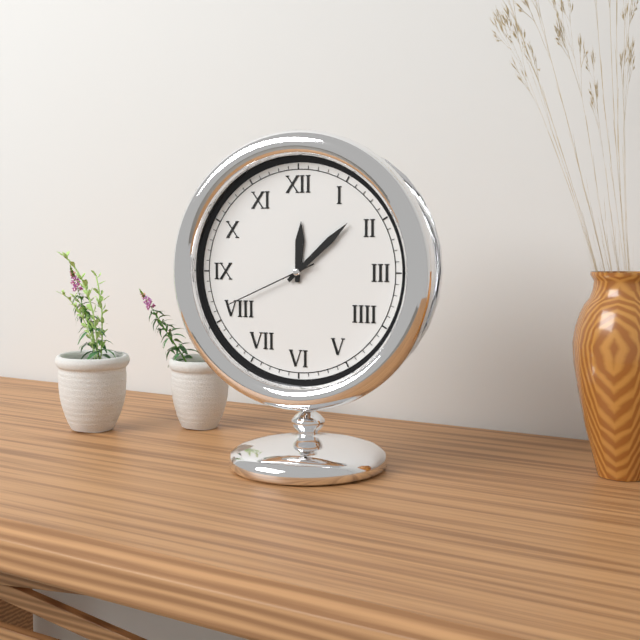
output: h=12 m=8 s=41
